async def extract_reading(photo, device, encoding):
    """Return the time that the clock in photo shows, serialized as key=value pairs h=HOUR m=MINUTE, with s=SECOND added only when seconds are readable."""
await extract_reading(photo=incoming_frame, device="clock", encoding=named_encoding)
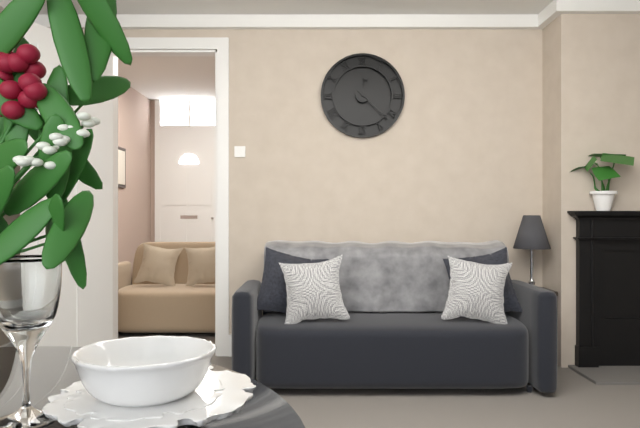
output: h=12 m=22
